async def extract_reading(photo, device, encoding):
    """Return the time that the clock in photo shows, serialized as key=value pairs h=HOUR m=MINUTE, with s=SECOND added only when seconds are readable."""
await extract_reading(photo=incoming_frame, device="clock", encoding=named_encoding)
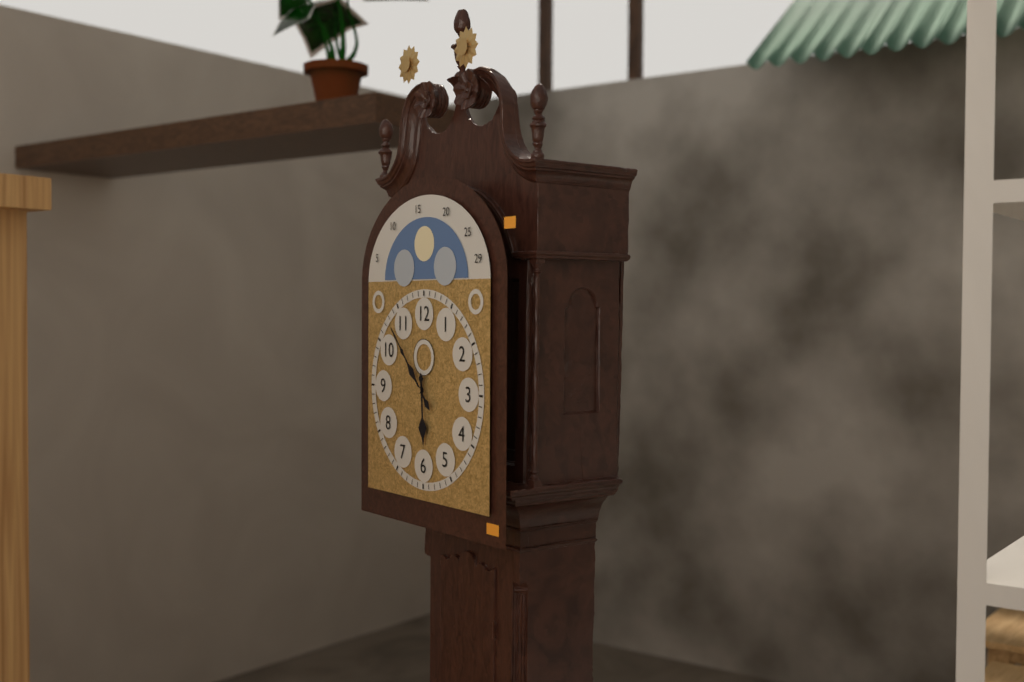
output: h=5 m=53
